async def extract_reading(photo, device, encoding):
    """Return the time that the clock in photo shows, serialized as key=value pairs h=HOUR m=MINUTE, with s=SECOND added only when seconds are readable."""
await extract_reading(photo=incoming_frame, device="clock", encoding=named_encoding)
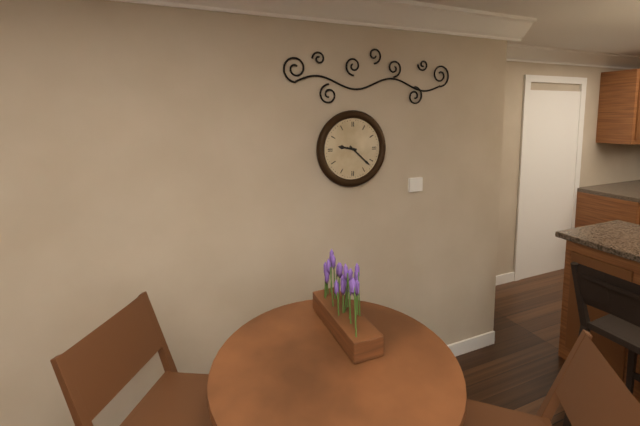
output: h=9 m=22
